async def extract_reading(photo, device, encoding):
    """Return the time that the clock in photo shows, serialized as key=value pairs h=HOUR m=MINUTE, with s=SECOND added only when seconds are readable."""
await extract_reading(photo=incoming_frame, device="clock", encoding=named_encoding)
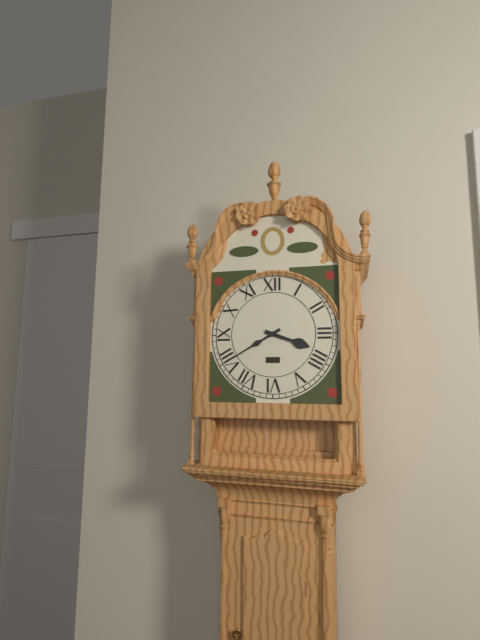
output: h=3 m=40
